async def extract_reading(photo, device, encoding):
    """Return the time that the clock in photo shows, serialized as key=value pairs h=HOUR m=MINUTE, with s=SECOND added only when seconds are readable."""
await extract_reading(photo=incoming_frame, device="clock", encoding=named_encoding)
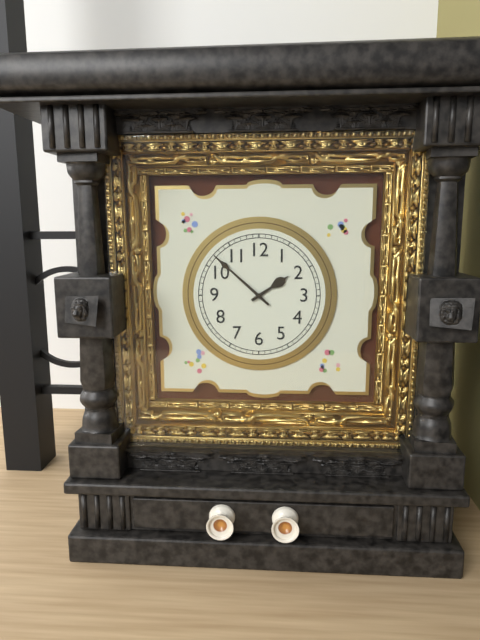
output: h=1 m=52
